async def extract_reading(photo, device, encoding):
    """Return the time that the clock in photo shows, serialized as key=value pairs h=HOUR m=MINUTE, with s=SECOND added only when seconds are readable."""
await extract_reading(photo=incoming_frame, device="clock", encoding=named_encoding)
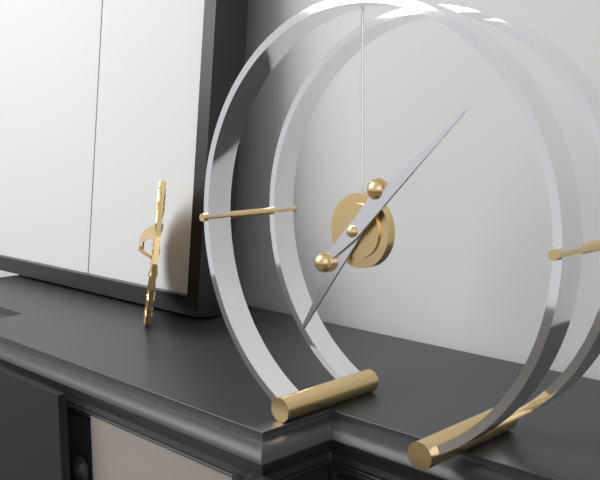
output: h=7 m=8
